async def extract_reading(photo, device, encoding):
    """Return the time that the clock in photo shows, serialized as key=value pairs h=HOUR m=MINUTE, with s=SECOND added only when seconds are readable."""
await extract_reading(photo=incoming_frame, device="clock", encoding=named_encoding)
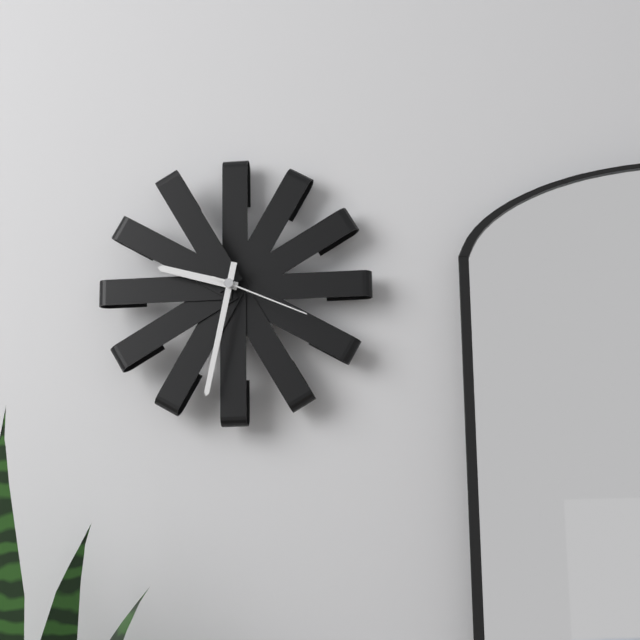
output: h=9 m=32 s=19
